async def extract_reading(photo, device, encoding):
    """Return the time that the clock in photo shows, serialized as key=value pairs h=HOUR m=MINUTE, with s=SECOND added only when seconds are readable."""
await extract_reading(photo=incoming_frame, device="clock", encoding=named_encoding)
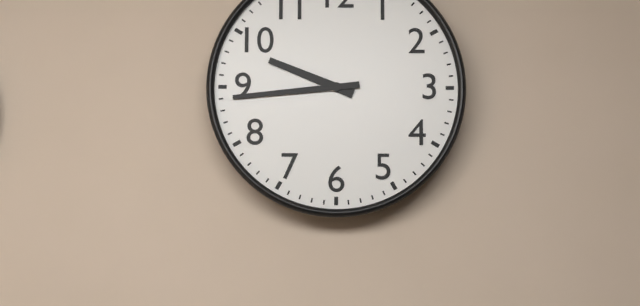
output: h=9 m=44
